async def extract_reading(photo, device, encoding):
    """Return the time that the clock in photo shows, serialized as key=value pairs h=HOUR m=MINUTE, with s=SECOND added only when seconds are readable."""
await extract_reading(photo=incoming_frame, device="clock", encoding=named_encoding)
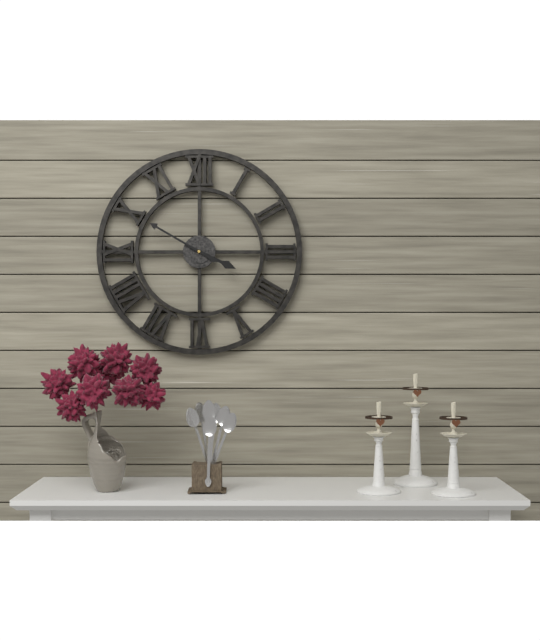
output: h=3 m=50
